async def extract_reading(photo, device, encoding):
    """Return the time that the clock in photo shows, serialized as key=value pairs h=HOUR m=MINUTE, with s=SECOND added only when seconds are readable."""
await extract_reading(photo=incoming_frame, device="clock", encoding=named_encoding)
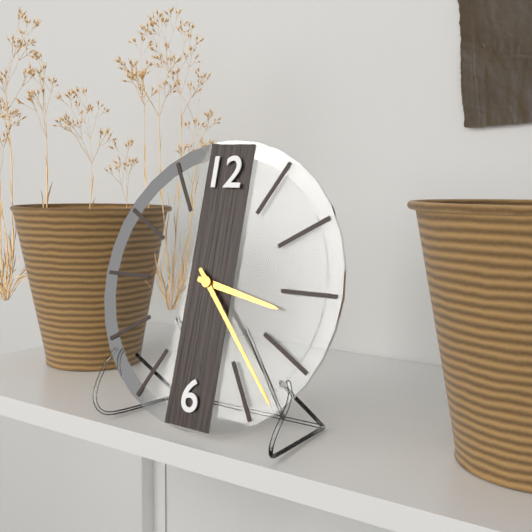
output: h=3 m=23
